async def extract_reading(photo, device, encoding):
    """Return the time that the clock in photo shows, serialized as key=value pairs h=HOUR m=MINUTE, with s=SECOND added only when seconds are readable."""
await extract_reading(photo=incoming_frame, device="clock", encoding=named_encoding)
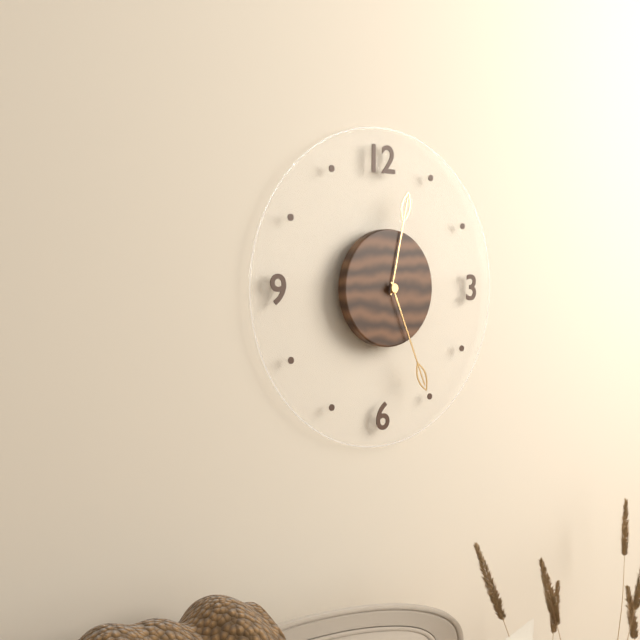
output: h=12 m=26
